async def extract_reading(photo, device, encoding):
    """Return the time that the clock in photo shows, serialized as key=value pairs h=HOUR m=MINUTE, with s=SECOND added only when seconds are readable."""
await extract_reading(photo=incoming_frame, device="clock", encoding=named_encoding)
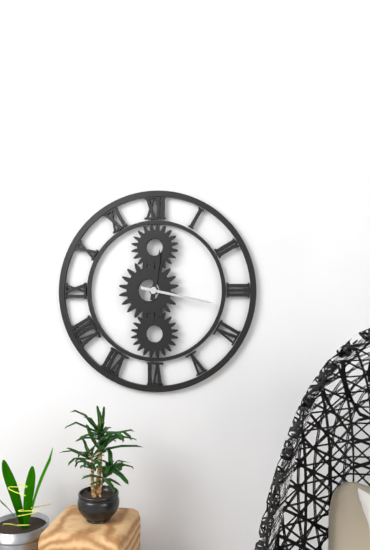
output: h=12 m=17
